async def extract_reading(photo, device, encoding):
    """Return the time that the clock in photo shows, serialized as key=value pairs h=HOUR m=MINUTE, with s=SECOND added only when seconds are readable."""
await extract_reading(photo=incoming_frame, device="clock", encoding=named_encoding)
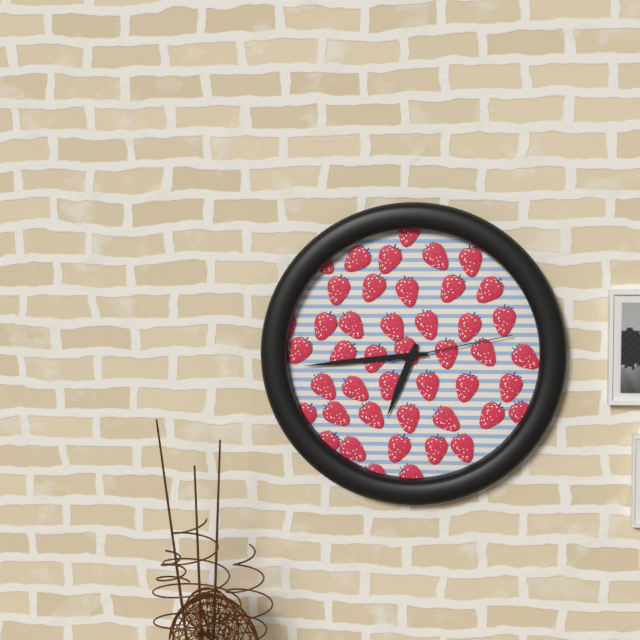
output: h=6 m=44 s=13
